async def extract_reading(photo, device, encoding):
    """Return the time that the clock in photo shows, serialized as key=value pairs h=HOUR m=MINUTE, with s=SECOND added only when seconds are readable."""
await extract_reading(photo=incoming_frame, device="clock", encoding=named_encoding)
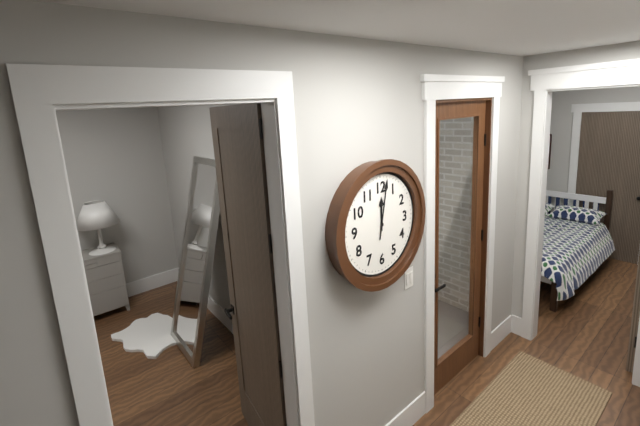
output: h=12 m=2
